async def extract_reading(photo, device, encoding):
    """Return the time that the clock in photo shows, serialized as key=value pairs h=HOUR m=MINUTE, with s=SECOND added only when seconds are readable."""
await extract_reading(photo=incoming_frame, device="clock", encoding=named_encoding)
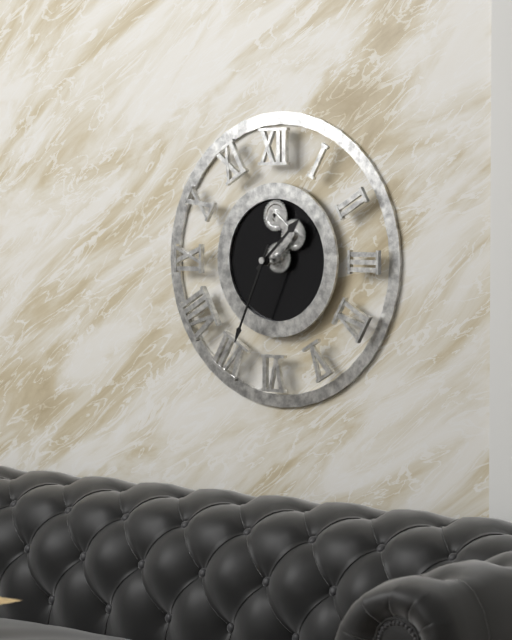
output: h=1 m=34
